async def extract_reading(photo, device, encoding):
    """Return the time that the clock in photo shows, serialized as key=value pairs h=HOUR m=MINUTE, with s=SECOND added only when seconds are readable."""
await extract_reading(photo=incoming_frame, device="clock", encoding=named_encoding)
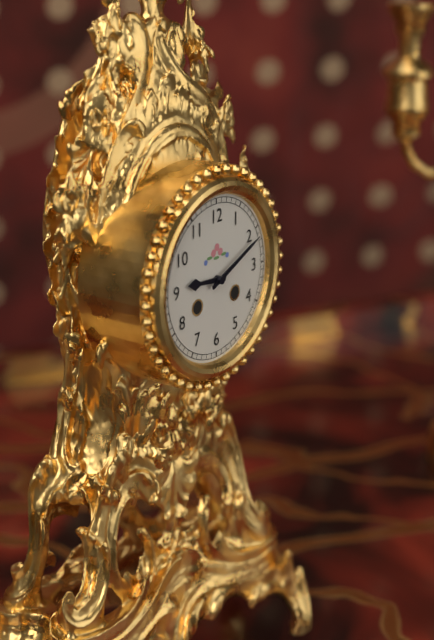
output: h=9 m=11
